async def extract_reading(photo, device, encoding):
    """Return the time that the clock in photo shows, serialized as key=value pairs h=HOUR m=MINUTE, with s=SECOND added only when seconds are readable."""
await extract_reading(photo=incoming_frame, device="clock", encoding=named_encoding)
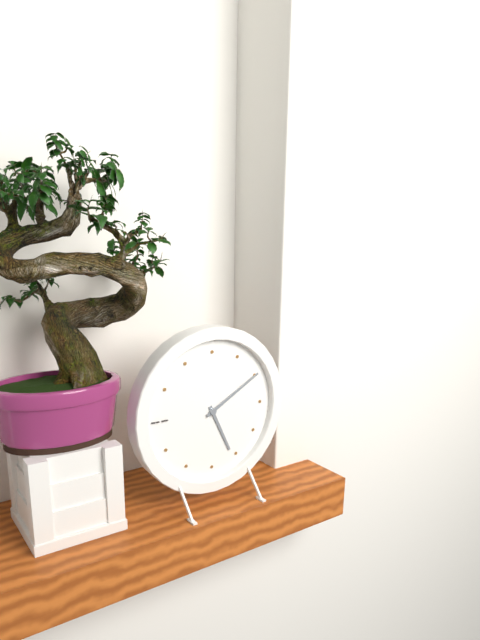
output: h=5 m=10
